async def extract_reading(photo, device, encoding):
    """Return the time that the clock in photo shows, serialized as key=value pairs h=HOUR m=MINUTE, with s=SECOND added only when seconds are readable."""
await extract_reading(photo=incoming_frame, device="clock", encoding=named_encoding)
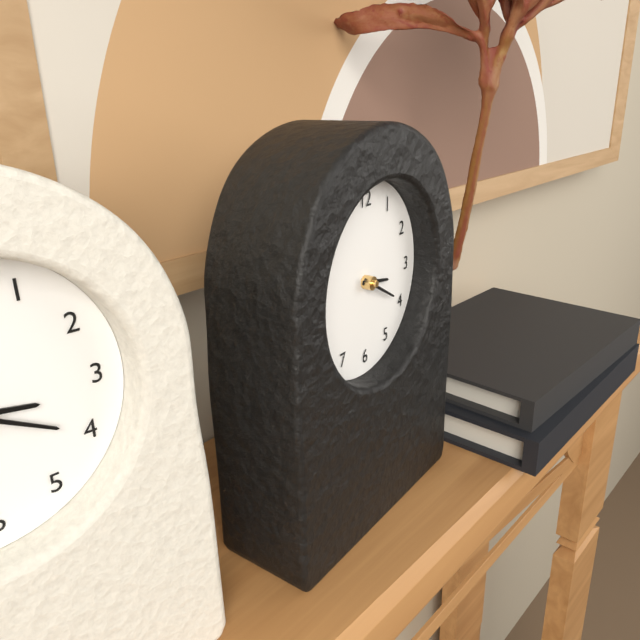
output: h=3 m=20
